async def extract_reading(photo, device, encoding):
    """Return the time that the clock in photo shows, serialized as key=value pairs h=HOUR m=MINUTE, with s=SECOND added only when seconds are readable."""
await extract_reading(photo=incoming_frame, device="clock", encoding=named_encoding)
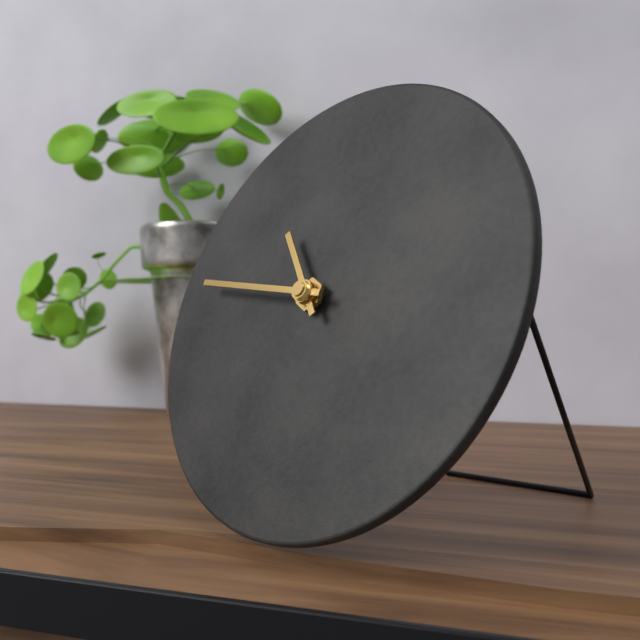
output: h=10 m=46
